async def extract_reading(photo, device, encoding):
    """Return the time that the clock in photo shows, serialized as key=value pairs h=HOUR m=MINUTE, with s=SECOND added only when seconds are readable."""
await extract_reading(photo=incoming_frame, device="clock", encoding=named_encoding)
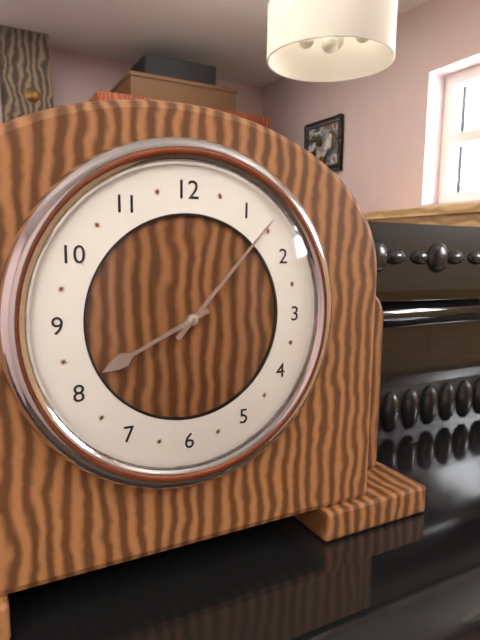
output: h=8 m=7
